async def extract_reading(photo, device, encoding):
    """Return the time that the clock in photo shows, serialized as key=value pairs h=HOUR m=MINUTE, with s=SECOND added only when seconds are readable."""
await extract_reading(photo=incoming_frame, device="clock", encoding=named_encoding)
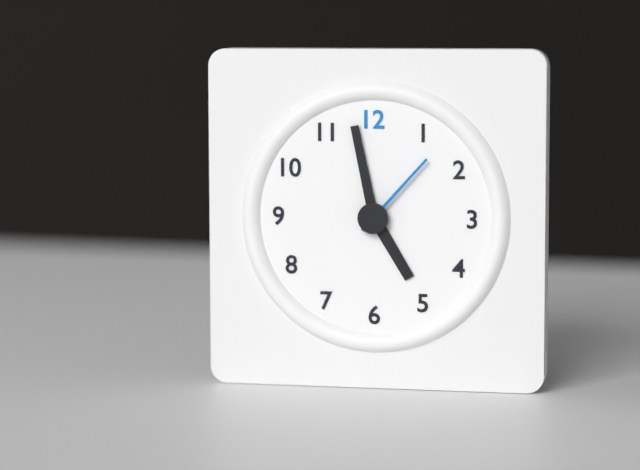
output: h=4 m=58 s=7
